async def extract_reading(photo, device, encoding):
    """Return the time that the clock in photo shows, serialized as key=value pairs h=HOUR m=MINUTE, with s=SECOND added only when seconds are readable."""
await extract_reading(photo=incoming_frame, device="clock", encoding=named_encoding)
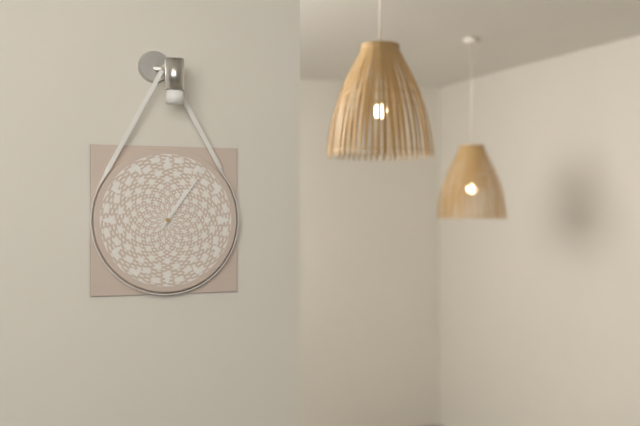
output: h=1 m=6
